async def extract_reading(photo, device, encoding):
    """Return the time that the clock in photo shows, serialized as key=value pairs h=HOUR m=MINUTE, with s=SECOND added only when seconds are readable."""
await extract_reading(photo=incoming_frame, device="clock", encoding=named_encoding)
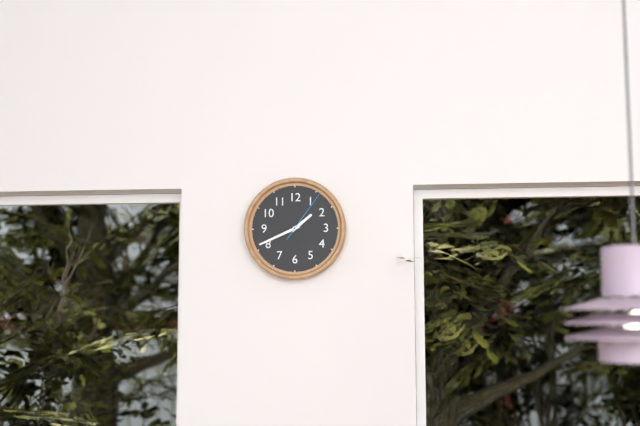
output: h=1 m=41 s=6
